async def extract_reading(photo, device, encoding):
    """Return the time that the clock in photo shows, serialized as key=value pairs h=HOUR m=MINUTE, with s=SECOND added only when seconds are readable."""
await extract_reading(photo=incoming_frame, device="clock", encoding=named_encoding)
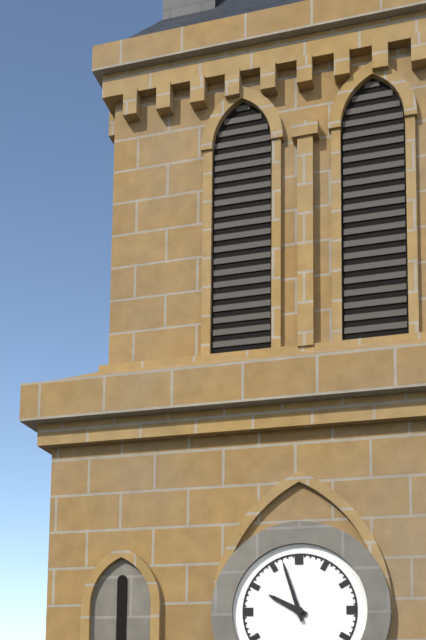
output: h=9 m=57
